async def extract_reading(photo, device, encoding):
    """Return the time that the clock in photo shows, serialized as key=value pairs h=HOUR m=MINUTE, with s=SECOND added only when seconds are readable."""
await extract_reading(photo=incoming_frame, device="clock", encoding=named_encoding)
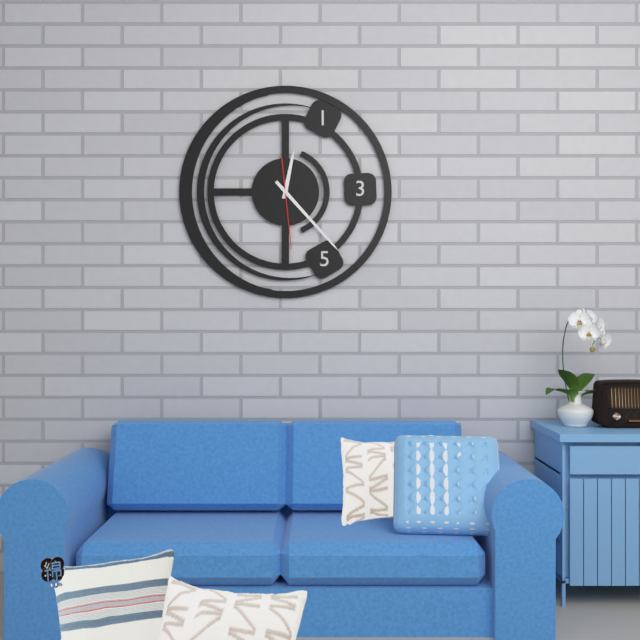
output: h=12 m=23 s=29
